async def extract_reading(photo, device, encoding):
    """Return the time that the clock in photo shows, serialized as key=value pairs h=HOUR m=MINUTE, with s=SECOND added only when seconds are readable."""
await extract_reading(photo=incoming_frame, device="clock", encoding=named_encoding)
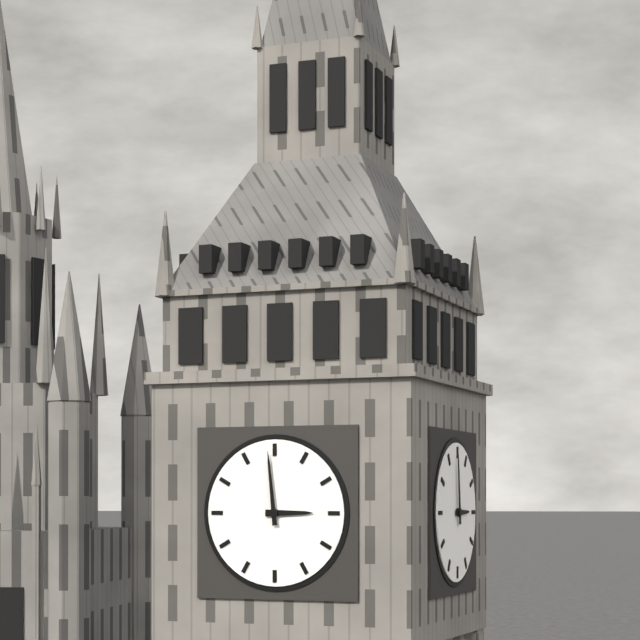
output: h=2 m=59
